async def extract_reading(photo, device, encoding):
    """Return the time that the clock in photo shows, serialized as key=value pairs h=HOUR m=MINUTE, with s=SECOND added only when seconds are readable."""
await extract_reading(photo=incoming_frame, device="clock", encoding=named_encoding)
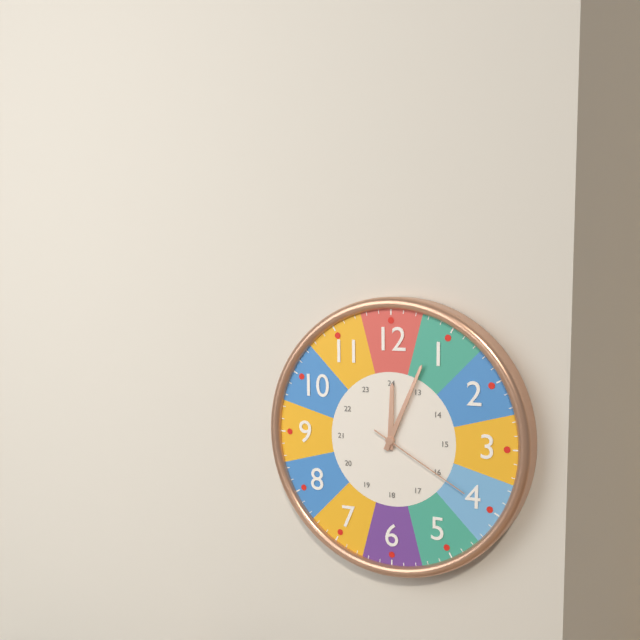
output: h=12 m=4 s=20
